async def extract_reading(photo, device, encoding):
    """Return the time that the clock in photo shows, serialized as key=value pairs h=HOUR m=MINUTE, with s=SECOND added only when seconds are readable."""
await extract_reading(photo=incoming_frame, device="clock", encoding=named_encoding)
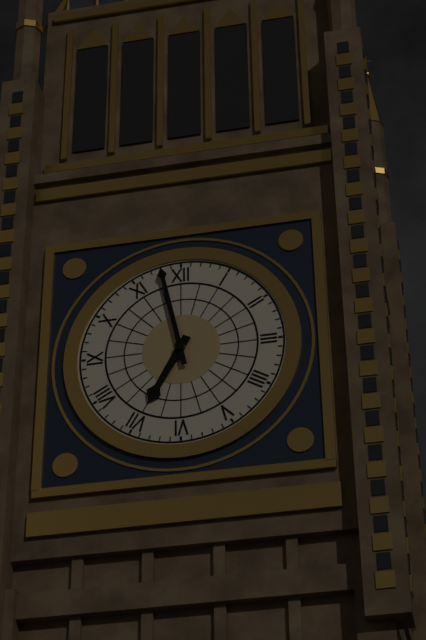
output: h=6 m=58
